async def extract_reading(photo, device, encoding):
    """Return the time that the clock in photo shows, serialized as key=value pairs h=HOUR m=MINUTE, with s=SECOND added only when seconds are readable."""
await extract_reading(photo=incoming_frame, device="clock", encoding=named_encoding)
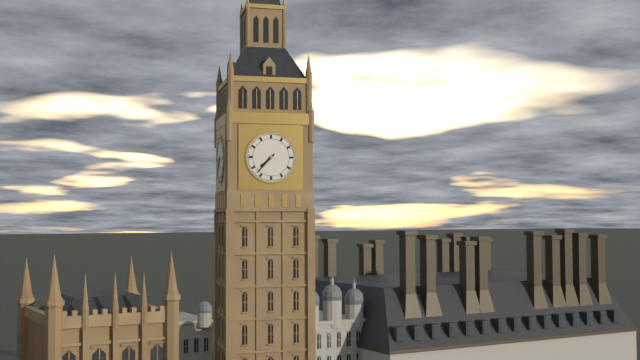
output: h=7 m=37
